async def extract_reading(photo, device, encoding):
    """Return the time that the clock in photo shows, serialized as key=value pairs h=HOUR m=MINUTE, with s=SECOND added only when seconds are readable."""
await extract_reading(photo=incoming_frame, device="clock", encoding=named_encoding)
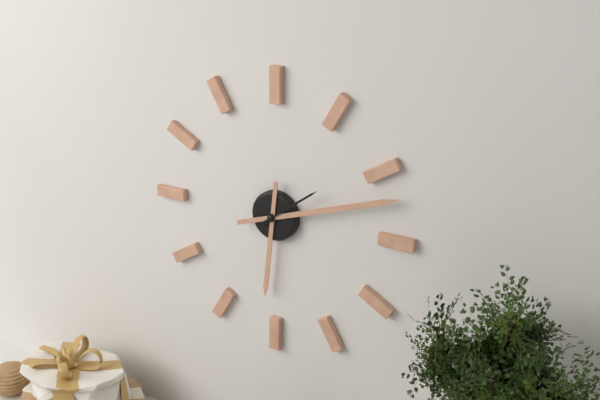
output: h=6 m=12 s=9
